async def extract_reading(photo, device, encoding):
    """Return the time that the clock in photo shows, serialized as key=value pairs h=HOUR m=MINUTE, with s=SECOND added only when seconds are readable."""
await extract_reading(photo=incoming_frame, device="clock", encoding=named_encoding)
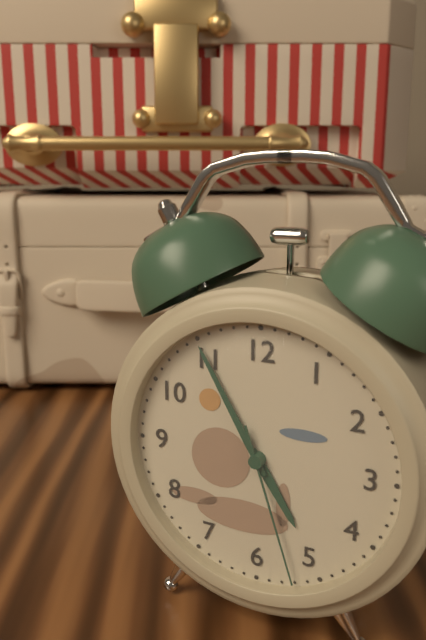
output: h=4 m=55 s=27
